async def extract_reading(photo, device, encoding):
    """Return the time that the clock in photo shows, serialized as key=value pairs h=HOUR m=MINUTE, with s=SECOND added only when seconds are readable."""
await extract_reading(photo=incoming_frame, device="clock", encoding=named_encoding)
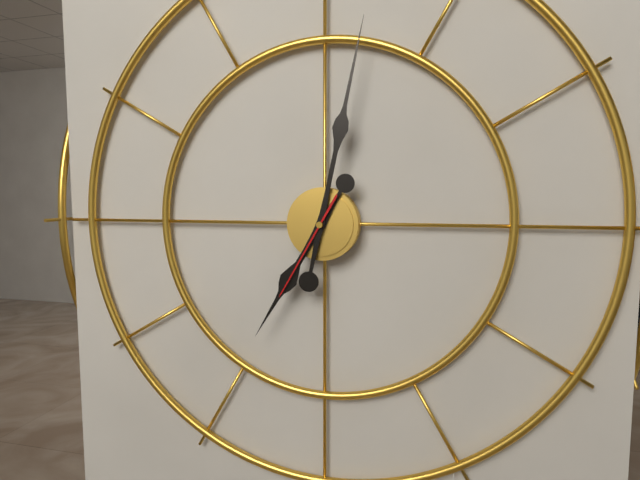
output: h=7 m=2 s=35
